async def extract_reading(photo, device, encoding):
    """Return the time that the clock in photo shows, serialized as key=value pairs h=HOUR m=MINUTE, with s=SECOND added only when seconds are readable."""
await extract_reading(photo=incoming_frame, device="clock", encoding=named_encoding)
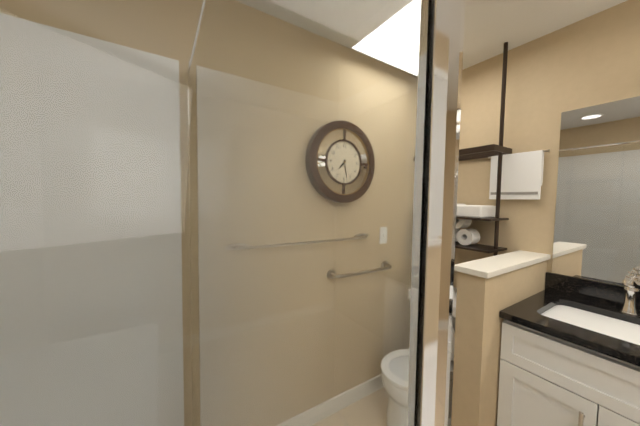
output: h=7 m=28
